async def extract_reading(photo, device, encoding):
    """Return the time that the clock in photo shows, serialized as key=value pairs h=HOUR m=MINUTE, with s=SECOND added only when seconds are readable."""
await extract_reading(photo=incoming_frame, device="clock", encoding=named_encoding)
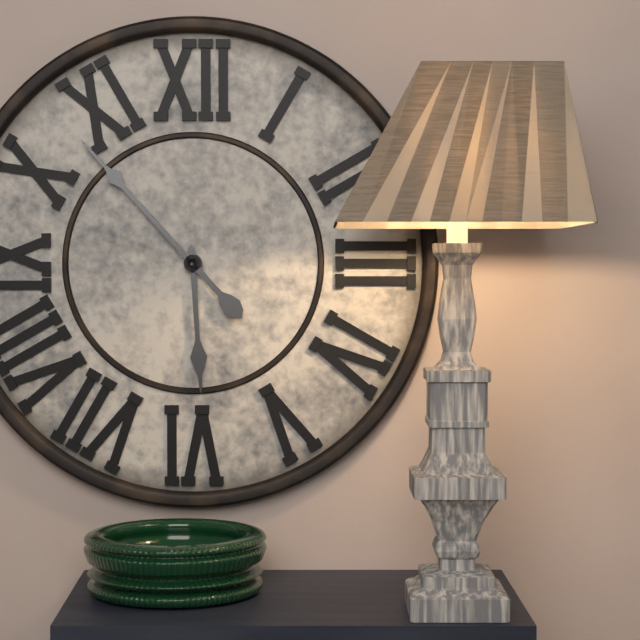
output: h=5 m=53
